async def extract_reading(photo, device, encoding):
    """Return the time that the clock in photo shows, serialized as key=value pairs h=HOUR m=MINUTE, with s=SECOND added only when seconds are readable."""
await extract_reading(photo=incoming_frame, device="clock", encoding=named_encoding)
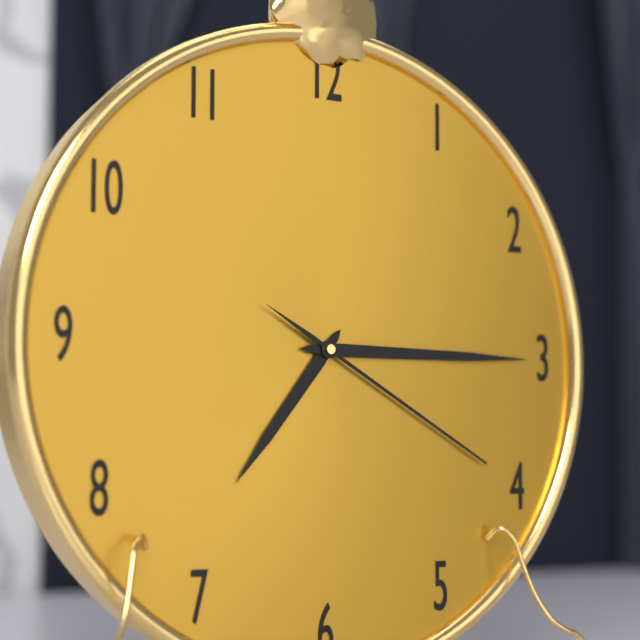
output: h=7 m=15 s=20
